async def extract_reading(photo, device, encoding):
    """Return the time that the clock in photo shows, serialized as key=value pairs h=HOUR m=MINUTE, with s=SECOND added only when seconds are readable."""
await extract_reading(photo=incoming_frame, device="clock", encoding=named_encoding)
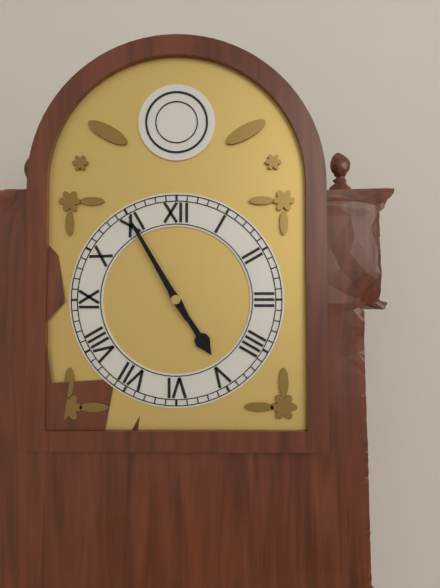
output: h=4 m=55
